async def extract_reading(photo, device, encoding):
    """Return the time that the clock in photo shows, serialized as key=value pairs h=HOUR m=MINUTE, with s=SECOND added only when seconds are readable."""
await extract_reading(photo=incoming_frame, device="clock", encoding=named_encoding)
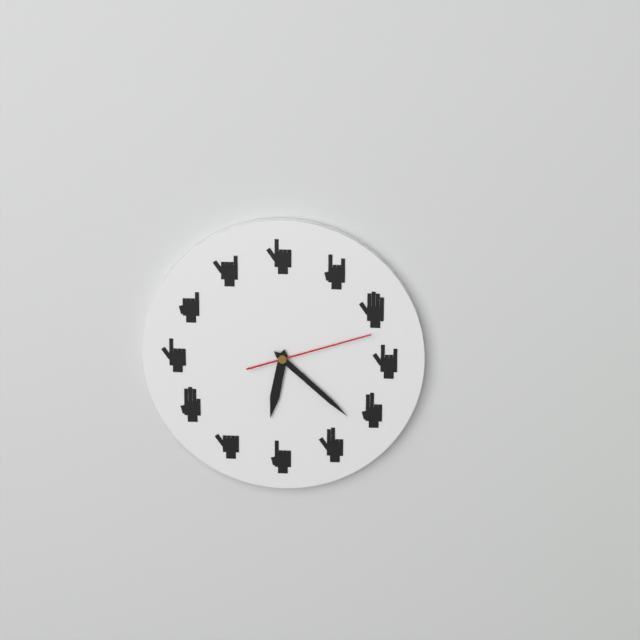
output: h=6 m=22 s=12
